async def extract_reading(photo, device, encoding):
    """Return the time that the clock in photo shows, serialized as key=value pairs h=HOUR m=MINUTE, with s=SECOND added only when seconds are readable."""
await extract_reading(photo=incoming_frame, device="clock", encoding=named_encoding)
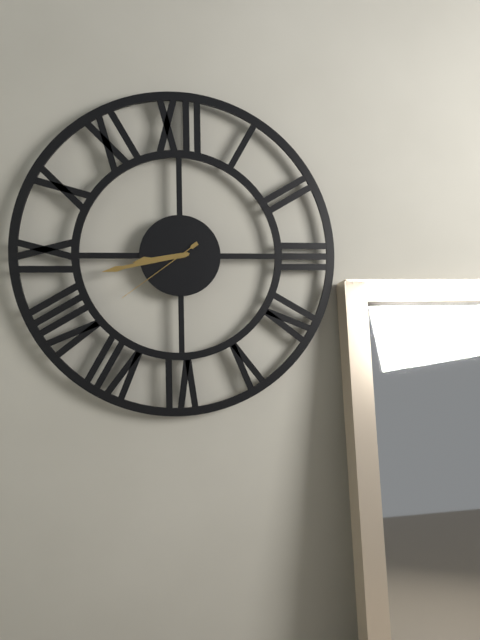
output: h=8 m=43 s=39
